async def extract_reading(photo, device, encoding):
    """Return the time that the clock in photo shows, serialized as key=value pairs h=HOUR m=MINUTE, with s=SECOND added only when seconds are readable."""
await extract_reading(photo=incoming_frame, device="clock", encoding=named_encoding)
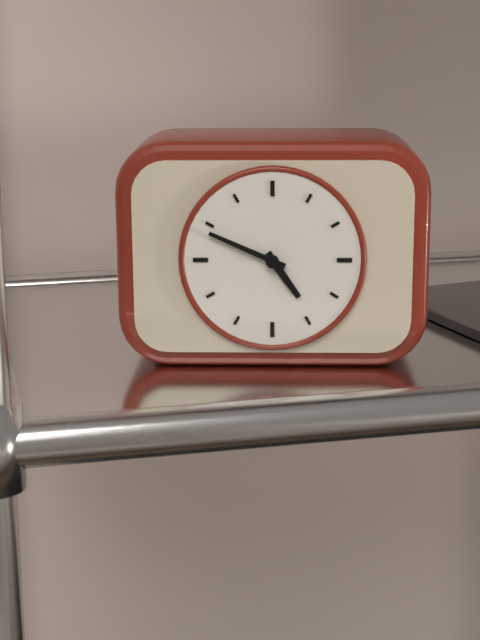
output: h=4 m=49
